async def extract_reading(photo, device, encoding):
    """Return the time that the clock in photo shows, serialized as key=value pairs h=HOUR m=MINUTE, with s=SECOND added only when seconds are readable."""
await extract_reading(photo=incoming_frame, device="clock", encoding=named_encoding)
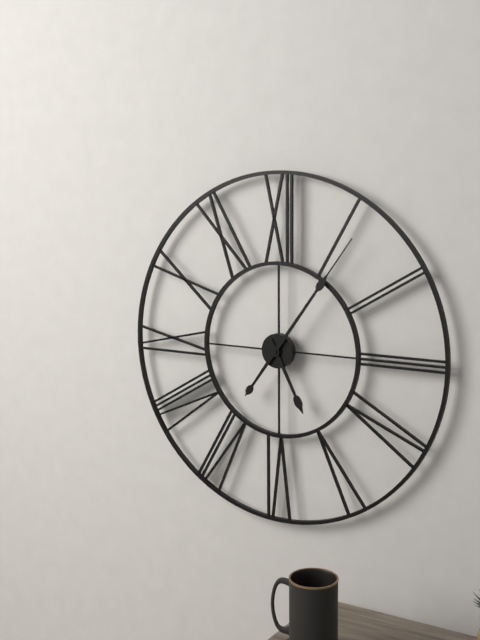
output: h=5 m=6
